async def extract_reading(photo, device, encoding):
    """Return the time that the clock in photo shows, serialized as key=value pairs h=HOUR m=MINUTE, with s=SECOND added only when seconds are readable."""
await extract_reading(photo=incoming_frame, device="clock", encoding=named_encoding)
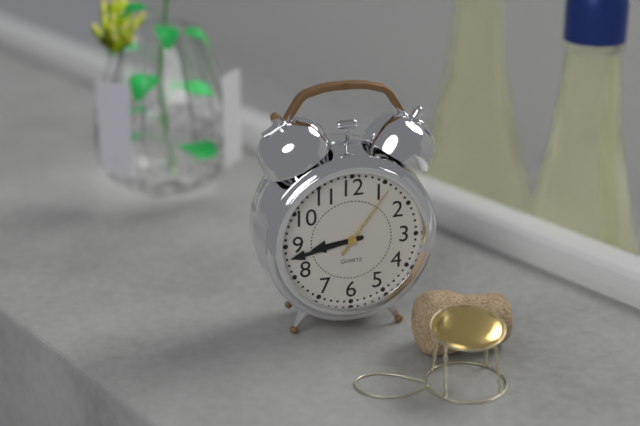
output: h=8 m=43 s=6
